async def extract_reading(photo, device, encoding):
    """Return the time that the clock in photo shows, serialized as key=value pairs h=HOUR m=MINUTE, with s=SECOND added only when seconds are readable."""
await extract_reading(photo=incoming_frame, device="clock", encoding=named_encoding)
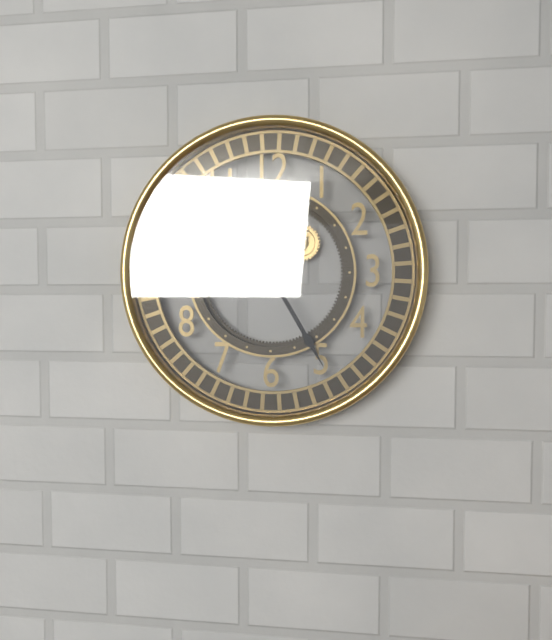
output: h=1 m=25
